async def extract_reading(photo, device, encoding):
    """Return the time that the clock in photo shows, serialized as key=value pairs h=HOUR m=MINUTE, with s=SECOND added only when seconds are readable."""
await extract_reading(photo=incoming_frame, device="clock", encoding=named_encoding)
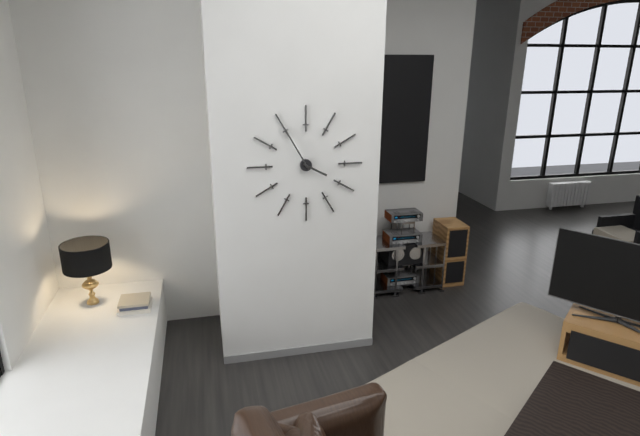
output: h=3 m=55
